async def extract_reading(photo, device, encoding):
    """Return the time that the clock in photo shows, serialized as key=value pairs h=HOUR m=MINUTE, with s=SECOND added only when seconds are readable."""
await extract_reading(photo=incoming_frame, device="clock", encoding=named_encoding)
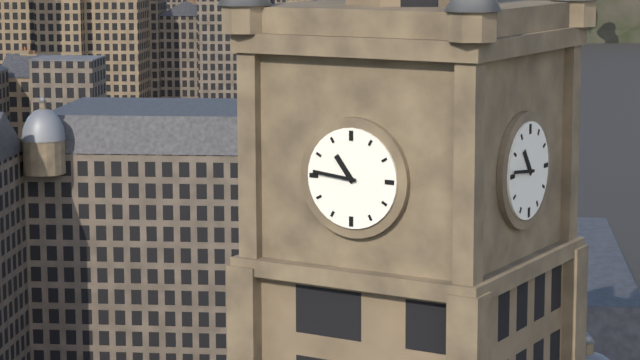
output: h=10 m=46
